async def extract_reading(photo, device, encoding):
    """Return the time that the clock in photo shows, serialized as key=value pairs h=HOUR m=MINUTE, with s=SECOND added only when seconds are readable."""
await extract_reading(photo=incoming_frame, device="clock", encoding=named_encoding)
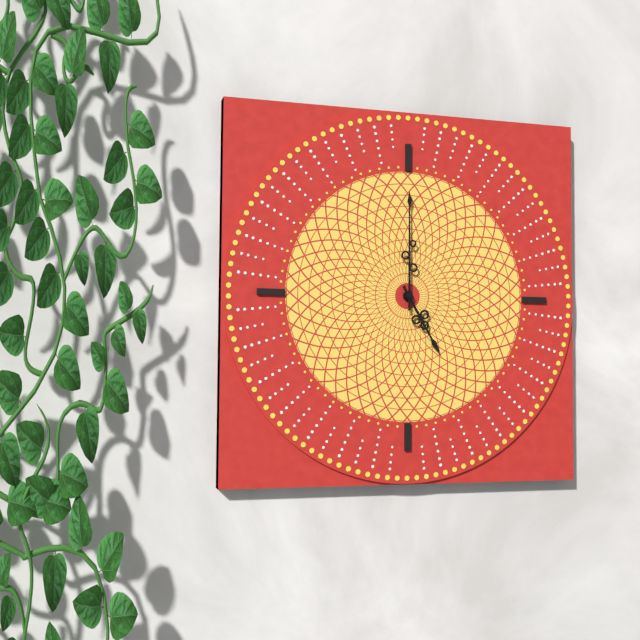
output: h=5 m=0
